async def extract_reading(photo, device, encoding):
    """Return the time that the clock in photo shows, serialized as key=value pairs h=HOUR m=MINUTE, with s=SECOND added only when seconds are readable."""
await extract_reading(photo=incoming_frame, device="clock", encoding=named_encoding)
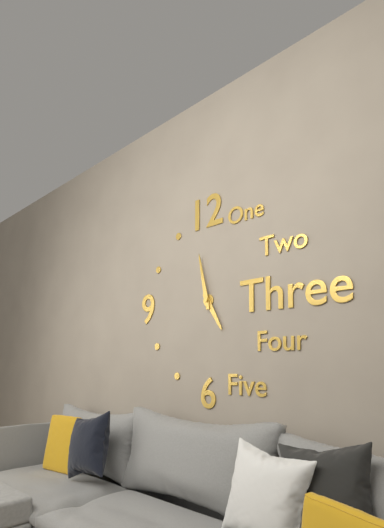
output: h=4 m=58
